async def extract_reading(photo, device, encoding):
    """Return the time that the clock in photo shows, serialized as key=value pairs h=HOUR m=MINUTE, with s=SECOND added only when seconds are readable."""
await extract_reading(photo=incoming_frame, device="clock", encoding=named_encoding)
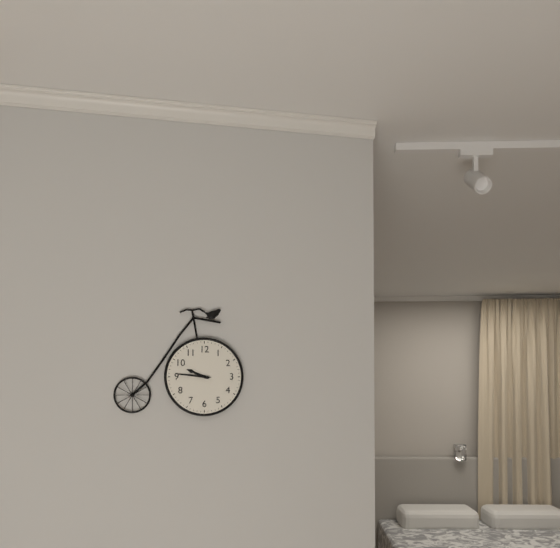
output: h=9 m=46
